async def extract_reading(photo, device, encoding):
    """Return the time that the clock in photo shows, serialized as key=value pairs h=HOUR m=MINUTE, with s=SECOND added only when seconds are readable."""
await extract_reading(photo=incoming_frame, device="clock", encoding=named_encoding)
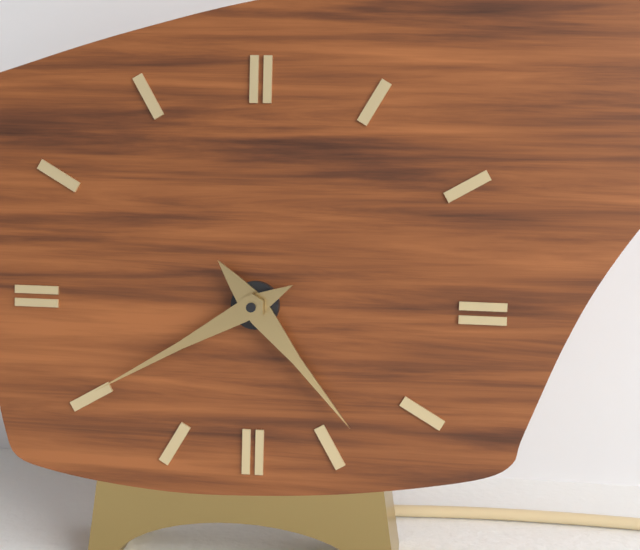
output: h=4 m=40
